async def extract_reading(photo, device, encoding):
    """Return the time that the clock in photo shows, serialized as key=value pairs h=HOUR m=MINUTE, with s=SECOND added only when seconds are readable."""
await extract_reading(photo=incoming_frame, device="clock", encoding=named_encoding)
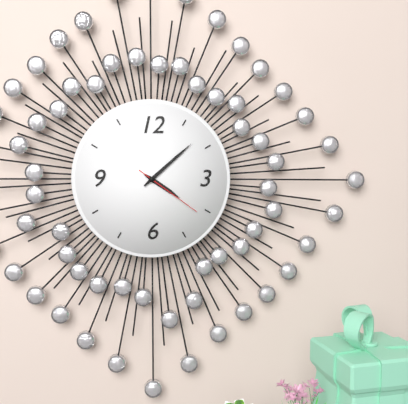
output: h=4 m=8 s=21
